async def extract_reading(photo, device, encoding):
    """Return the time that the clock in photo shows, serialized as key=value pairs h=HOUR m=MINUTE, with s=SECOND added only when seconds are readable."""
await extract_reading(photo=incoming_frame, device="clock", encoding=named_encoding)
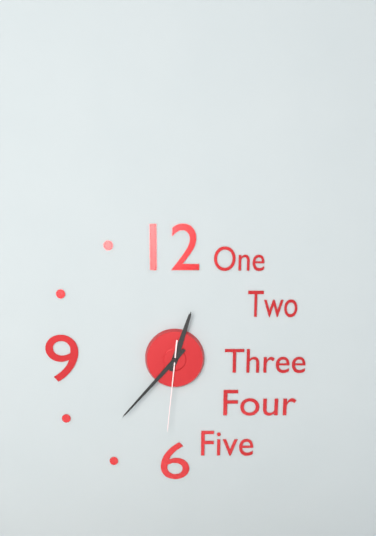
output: h=12 m=37 s=31
